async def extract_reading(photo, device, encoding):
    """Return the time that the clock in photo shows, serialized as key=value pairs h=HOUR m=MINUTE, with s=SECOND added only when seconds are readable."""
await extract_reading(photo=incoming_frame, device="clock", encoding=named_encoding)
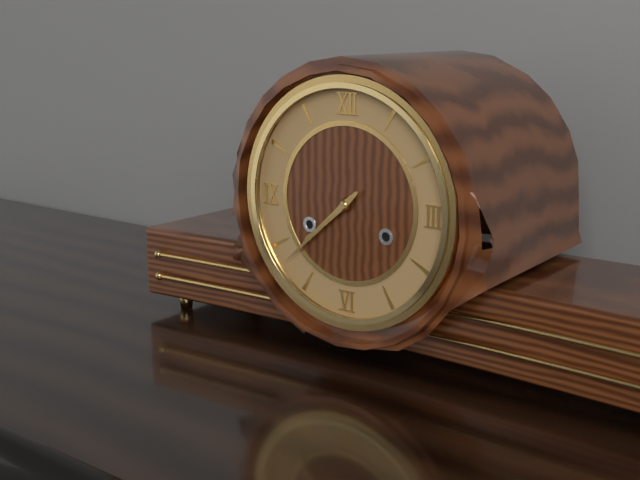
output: h=7 m=38
